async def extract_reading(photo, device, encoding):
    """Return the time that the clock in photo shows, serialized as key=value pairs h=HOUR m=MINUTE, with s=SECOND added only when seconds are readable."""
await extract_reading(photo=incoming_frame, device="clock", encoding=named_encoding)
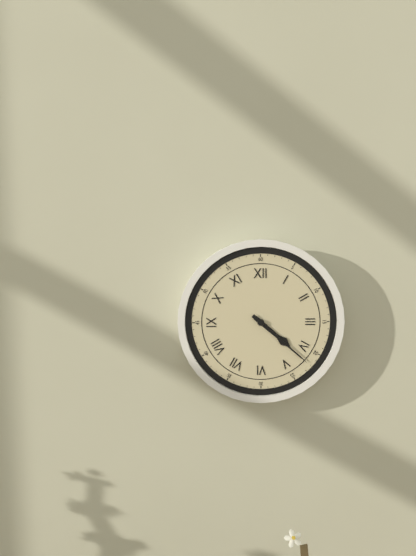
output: h=4 m=22
